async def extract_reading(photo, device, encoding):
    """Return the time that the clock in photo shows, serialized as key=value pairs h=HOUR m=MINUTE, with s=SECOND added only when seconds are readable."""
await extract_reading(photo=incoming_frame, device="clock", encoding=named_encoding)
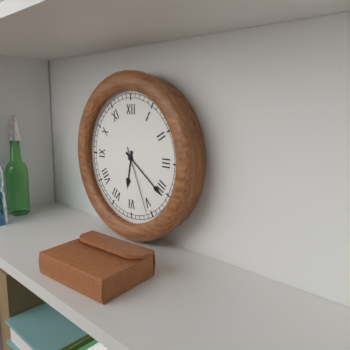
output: h=6 m=21 s=26
